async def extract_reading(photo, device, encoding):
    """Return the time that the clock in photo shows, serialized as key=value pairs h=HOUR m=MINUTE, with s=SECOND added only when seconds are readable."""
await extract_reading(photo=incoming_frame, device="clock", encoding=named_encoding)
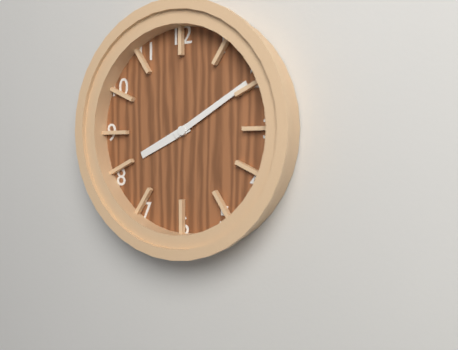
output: h=8 m=10
